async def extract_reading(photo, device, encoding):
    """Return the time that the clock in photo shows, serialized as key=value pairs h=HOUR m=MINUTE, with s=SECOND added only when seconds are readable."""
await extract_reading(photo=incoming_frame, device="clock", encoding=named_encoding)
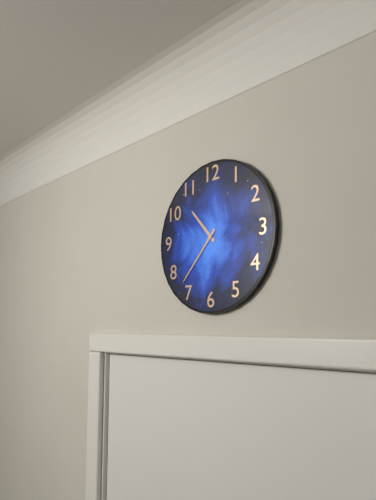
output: h=10 m=37
